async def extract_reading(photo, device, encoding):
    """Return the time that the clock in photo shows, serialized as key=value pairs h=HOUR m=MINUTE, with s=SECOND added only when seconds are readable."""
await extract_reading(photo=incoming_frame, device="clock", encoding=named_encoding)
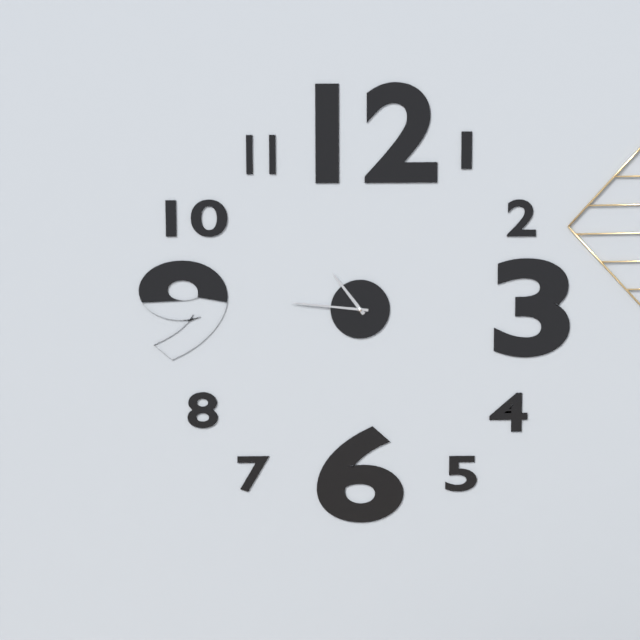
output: h=10 m=46
